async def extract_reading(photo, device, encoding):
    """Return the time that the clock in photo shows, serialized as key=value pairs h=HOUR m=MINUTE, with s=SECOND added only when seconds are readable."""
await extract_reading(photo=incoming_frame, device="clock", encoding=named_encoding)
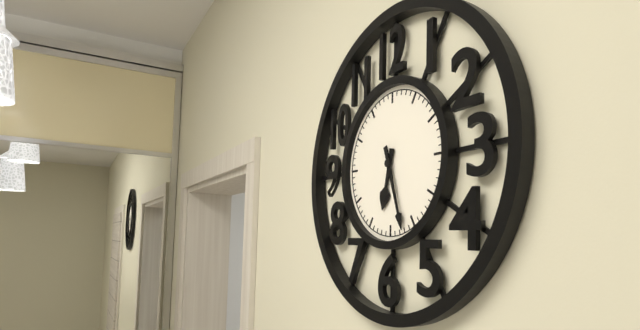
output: h=6 m=27
